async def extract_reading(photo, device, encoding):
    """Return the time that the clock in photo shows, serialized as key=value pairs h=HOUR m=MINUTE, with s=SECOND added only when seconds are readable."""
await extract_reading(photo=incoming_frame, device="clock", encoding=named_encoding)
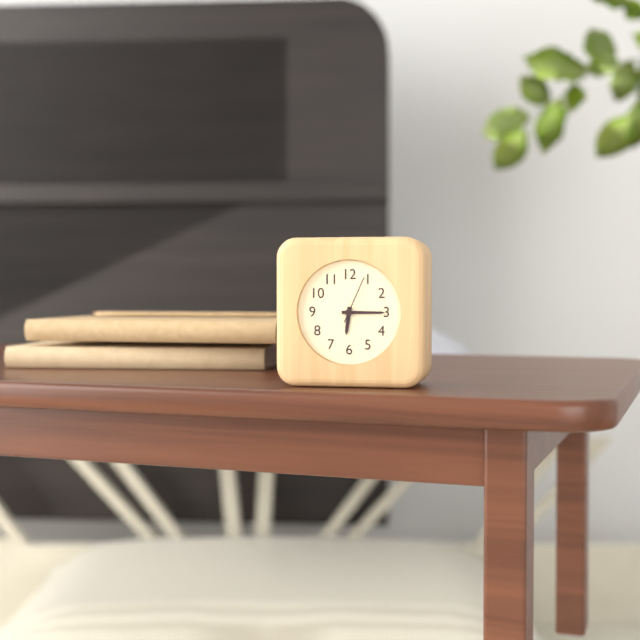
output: h=6 m=15
